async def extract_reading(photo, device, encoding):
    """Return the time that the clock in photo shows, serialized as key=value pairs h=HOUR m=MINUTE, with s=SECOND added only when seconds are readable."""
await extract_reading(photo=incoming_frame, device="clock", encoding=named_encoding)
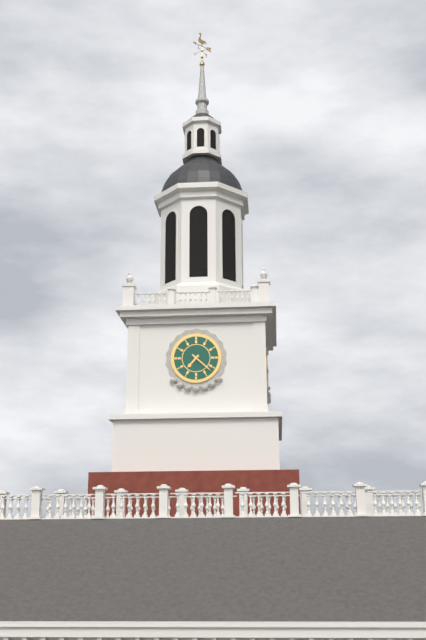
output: h=7 m=22
